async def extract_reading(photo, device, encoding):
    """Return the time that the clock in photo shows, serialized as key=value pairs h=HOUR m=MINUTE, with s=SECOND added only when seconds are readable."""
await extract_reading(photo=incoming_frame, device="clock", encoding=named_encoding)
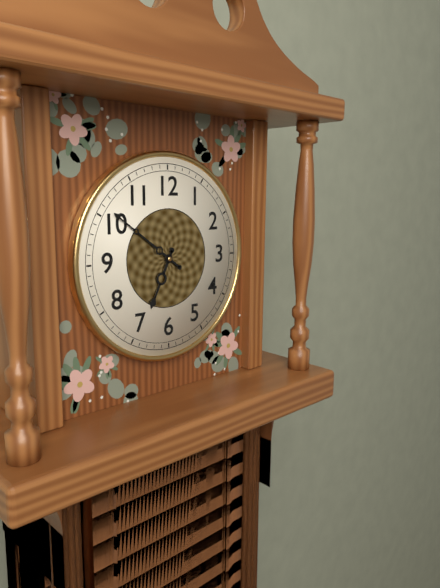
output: h=6 m=51
